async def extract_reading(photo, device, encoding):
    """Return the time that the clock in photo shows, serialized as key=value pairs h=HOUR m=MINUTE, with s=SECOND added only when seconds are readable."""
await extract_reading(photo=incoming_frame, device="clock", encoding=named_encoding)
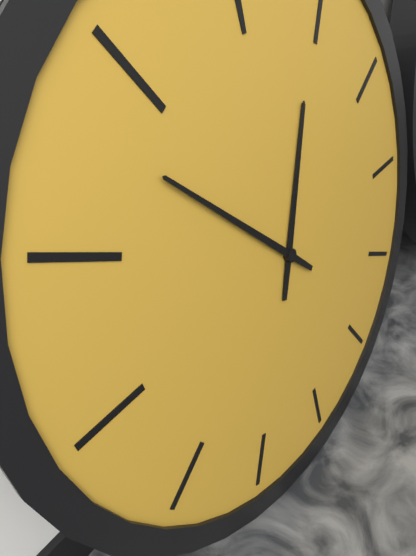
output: h=12 m=53
